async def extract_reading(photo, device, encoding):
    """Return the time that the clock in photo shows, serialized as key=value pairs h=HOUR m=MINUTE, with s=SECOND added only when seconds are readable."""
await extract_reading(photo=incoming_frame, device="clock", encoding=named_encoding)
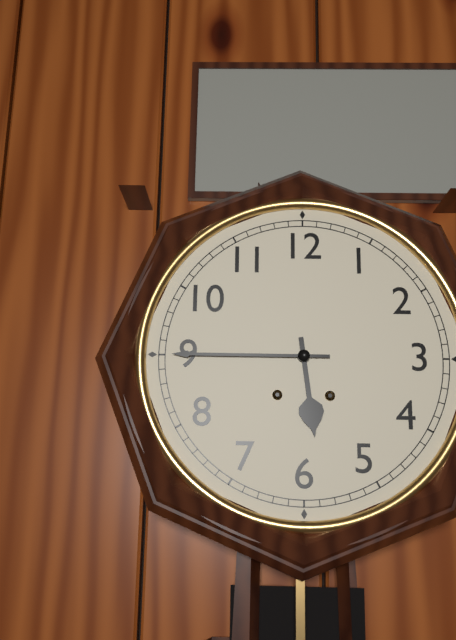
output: h=5 m=45
